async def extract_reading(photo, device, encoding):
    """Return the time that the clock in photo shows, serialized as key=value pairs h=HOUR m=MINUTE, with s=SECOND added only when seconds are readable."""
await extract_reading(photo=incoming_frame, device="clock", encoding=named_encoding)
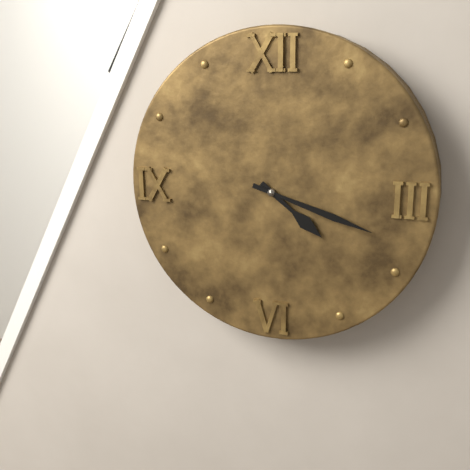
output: h=4 m=18
